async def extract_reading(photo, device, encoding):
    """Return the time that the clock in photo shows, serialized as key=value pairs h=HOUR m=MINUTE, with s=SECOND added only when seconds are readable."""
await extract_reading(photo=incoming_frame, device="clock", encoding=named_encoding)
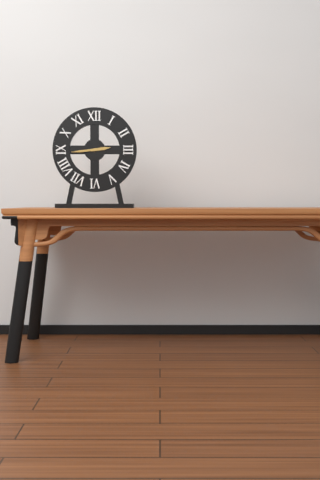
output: h=2 m=44
